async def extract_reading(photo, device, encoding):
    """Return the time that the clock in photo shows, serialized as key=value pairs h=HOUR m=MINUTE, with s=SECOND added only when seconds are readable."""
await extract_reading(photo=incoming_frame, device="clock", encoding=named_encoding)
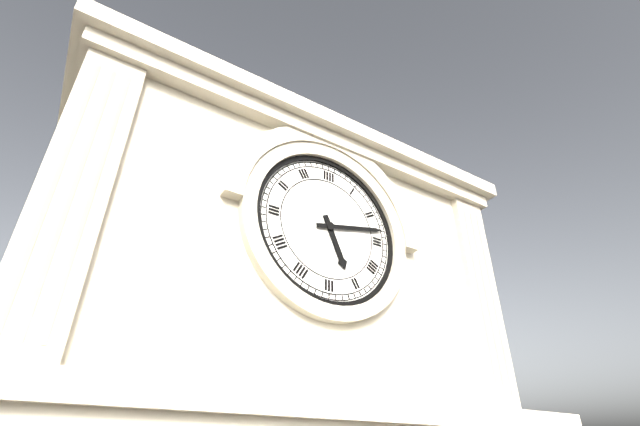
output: h=5 m=13
